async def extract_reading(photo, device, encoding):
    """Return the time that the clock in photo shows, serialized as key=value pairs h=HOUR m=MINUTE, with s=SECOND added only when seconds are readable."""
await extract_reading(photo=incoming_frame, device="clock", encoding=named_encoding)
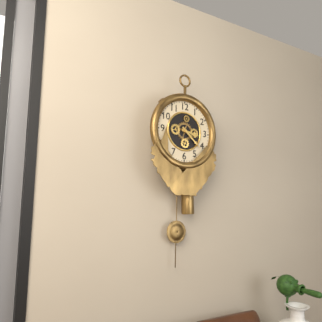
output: h=3 m=22
